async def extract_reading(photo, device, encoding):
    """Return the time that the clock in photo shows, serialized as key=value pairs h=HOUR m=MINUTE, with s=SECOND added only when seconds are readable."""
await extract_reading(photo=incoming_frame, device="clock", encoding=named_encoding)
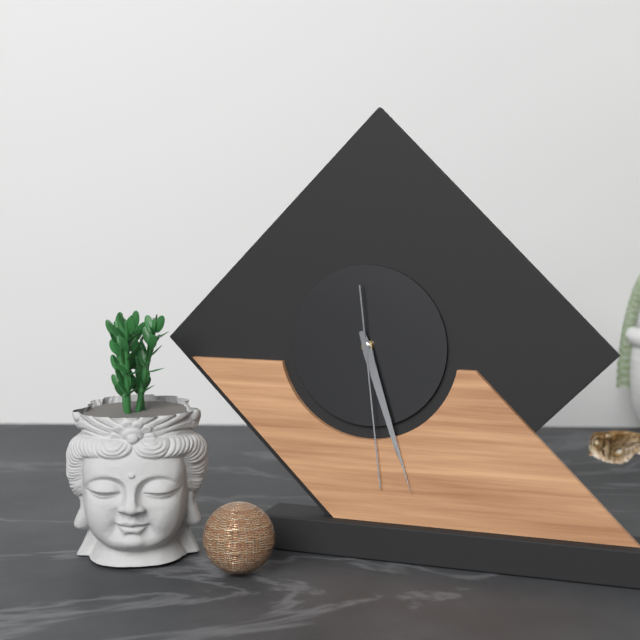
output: h=5 m=27 s=29
